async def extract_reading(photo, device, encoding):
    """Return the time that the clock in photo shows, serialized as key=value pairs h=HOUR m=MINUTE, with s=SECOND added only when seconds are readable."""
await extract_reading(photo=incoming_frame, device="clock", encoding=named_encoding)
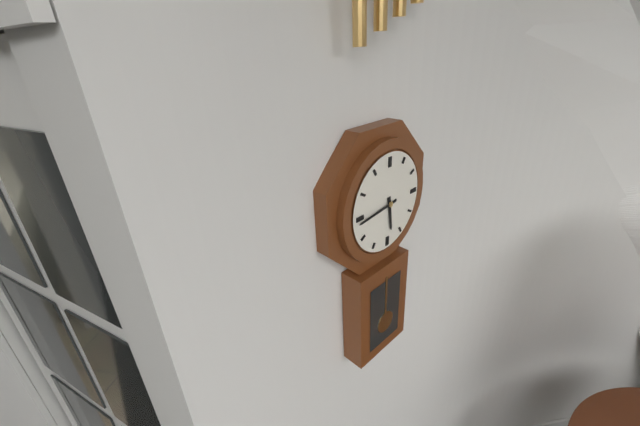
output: h=5 m=44
